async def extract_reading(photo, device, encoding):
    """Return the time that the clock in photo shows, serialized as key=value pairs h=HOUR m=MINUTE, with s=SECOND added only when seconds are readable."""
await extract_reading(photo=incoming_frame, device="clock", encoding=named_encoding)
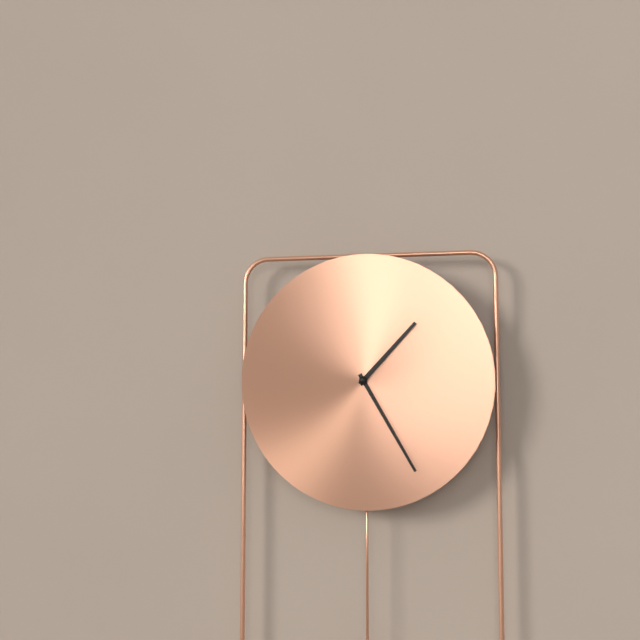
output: h=1 m=25
